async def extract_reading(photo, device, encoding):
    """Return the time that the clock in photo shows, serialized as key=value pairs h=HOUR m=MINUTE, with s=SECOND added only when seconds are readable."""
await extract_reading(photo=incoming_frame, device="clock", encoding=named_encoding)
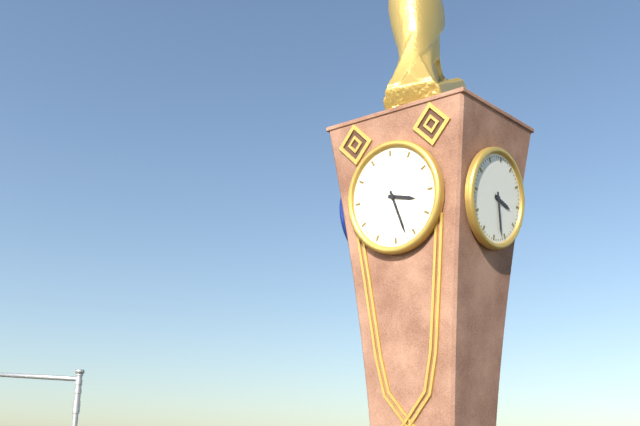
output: h=3 m=27
